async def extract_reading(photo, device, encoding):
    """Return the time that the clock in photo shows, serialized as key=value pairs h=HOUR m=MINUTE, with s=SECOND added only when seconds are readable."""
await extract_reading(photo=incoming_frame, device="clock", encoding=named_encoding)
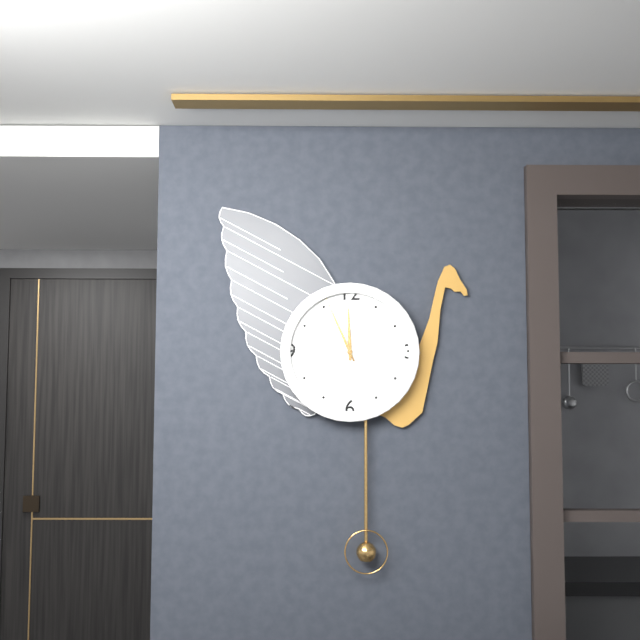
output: h=11 m=56
